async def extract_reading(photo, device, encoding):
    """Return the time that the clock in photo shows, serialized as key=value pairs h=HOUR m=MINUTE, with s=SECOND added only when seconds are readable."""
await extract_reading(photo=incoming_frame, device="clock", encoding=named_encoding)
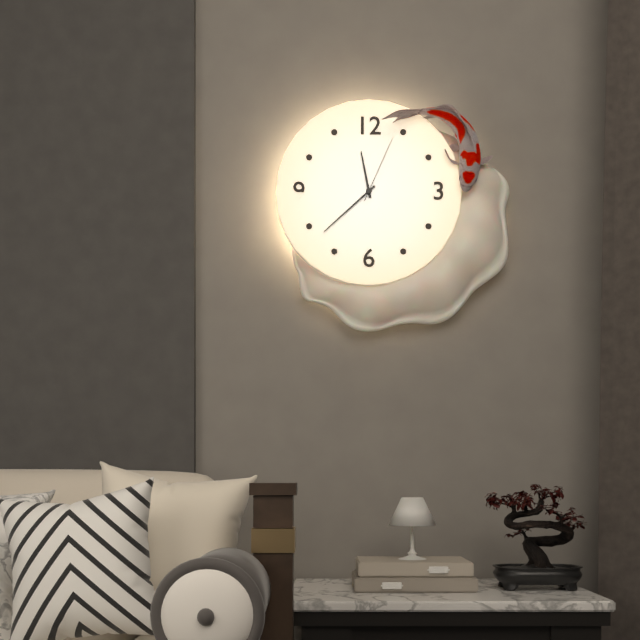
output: h=11 m=38 s=4
